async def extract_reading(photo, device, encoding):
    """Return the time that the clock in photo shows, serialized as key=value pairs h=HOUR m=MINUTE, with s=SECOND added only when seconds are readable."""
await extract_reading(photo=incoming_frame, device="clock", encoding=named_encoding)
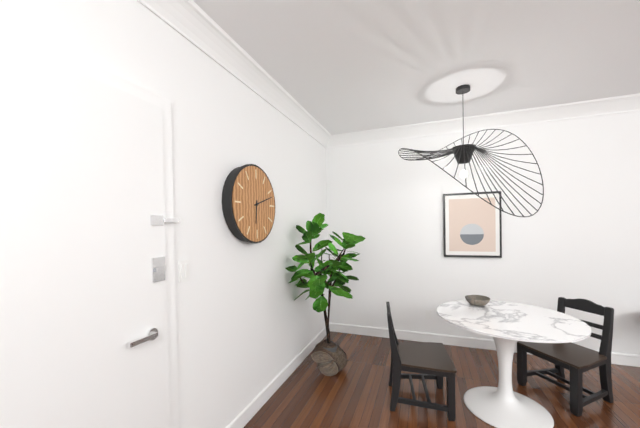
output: h=6 m=12
